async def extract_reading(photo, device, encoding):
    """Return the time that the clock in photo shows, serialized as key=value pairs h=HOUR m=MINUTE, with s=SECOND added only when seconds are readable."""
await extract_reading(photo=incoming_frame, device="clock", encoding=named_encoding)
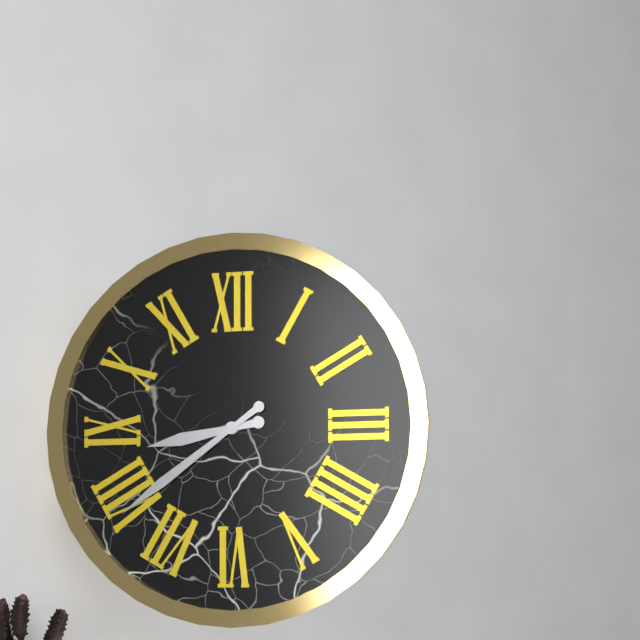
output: h=8 m=39
